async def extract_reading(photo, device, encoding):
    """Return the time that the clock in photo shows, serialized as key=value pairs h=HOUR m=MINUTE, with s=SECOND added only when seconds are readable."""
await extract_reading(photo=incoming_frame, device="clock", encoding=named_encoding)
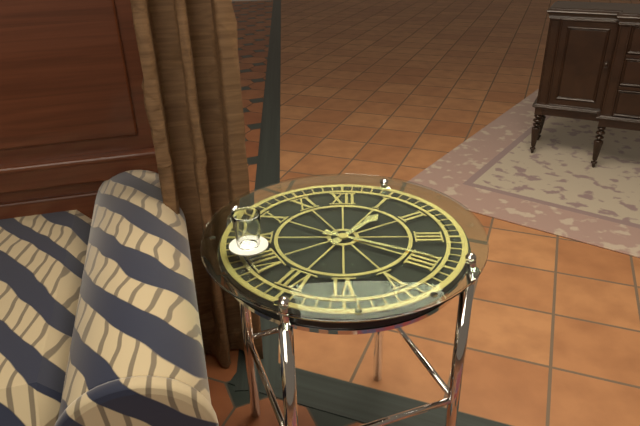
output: h=1 m=19
